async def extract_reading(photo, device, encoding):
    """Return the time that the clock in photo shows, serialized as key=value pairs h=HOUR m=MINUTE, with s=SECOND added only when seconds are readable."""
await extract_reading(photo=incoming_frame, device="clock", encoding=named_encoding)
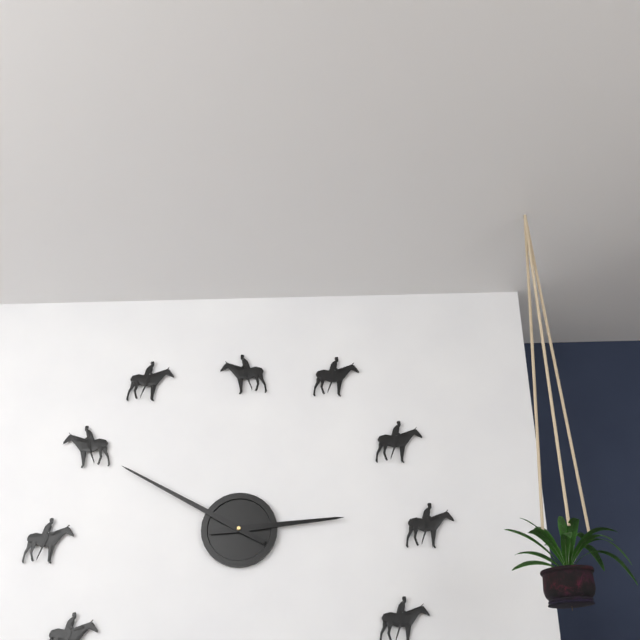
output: h=2 m=50
